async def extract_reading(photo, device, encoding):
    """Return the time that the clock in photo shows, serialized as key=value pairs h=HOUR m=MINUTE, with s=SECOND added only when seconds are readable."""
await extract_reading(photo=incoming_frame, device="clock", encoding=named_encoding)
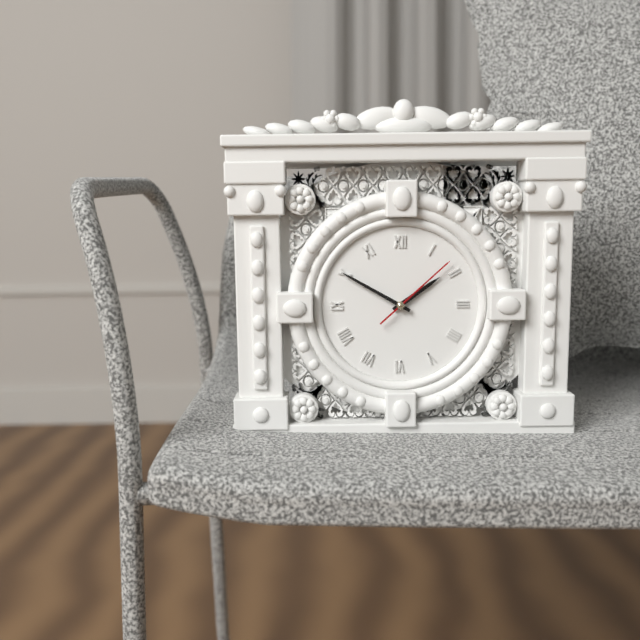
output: h=1 m=50 s=8
